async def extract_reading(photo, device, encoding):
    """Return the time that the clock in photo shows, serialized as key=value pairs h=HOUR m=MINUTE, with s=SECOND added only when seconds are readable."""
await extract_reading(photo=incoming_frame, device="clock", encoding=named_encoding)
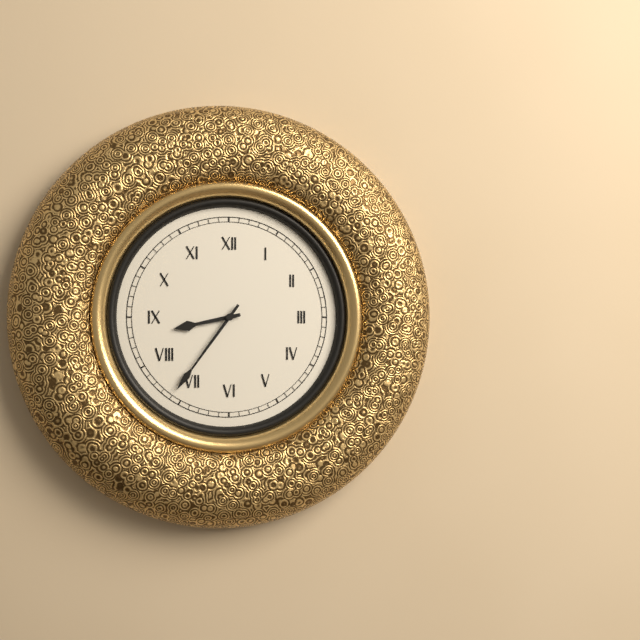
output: h=8 m=36
